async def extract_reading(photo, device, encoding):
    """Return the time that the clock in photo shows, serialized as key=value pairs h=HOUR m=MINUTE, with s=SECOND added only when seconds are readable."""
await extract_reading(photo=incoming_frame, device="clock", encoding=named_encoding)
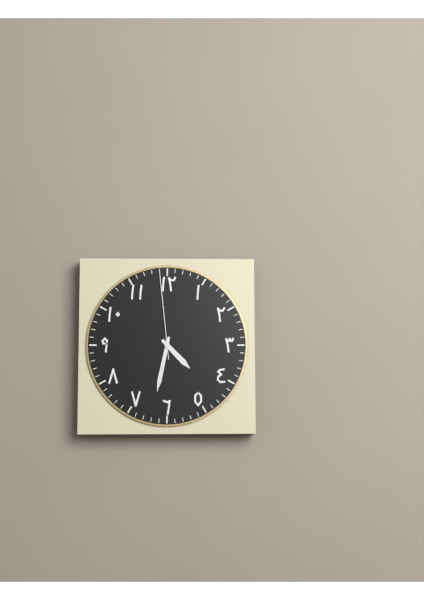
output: h=4 m=32 s=59
